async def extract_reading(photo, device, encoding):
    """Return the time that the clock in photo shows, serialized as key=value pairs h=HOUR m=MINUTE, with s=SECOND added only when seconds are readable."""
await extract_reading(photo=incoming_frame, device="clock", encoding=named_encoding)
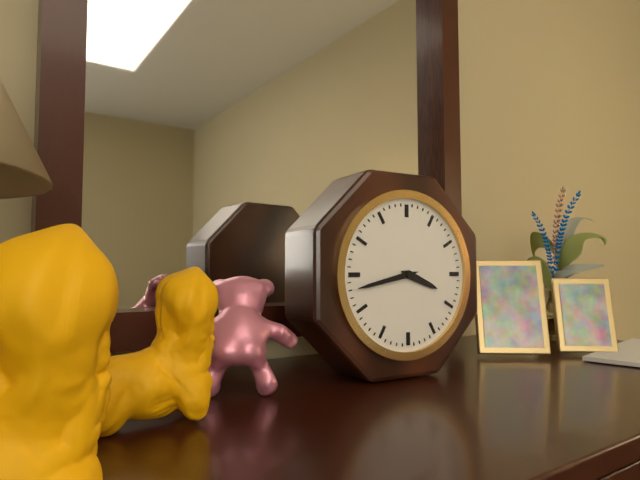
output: h=3 m=43
